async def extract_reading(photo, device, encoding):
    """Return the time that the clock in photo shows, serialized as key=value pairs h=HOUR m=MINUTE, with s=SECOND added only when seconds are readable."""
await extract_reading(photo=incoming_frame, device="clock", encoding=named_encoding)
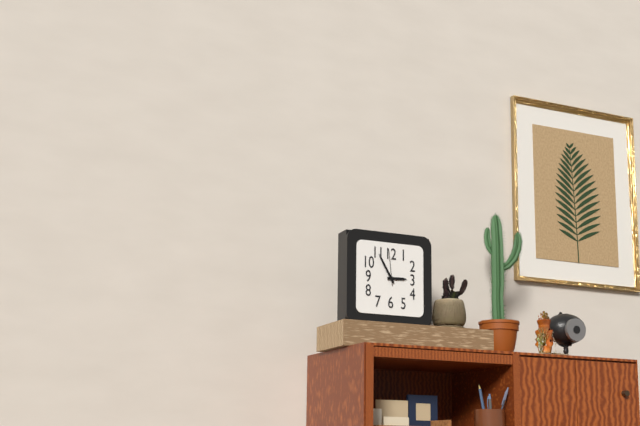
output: h=2 m=55
